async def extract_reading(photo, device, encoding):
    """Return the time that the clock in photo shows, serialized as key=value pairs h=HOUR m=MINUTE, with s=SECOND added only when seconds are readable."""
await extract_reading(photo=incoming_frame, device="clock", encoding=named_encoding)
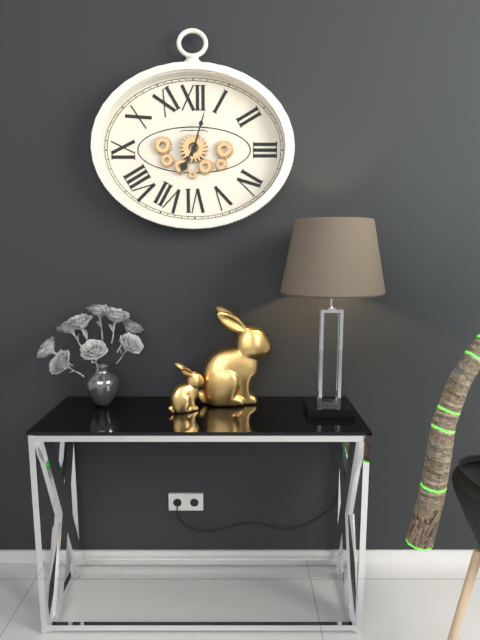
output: h=7 m=3
